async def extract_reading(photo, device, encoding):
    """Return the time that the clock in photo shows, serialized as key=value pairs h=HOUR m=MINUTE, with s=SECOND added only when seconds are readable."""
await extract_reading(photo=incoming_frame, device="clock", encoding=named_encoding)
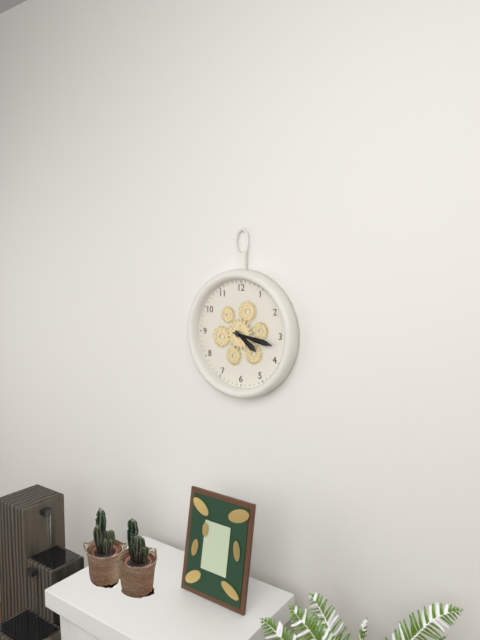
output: h=4 m=17
